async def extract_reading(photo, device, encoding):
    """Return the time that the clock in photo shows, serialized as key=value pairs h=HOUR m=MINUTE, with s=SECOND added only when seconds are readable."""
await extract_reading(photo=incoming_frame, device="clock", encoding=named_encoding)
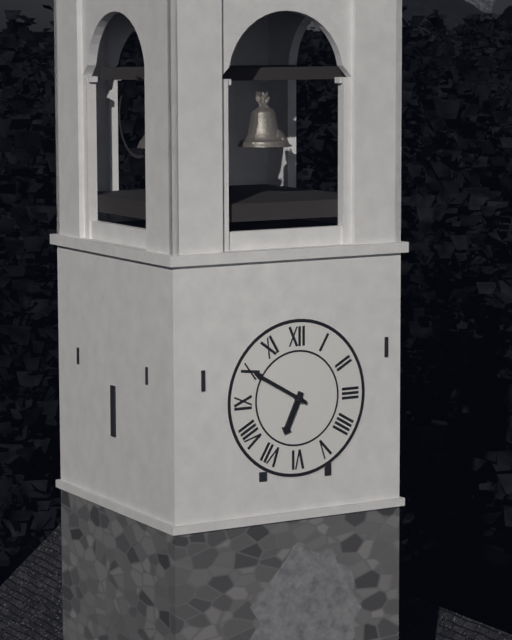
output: h=6 m=50
